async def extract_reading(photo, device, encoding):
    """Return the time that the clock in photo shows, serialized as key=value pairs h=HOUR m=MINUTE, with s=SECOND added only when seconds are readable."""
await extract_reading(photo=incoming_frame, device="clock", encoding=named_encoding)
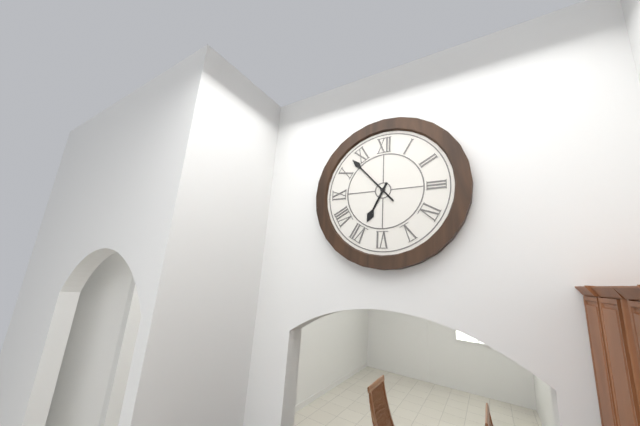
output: h=6 m=53
